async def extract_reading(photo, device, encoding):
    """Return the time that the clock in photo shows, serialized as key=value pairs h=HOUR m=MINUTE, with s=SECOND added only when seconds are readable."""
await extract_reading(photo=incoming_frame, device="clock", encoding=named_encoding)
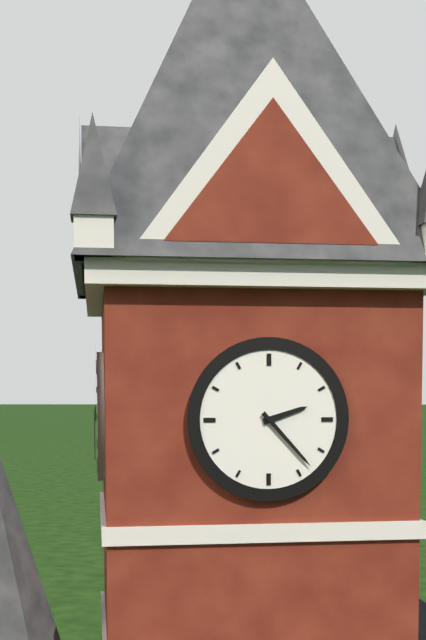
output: h=2 m=23
